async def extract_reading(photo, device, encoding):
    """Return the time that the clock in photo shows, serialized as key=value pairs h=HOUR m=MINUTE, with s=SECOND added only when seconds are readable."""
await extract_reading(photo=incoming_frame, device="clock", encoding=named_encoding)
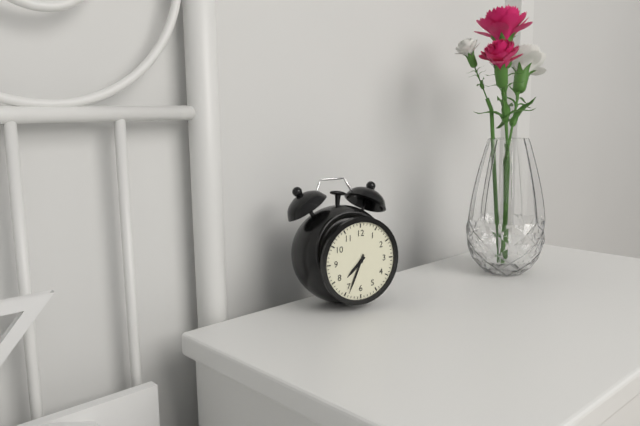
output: h=7 m=34
